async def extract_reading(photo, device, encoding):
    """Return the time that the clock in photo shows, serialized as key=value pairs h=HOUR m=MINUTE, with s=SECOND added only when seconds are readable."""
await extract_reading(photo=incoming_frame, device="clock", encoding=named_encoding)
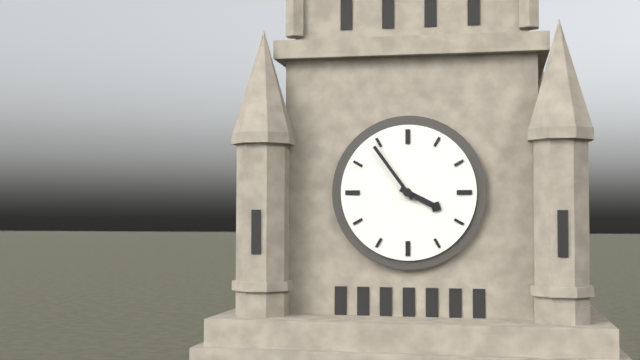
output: h=3 m=54
